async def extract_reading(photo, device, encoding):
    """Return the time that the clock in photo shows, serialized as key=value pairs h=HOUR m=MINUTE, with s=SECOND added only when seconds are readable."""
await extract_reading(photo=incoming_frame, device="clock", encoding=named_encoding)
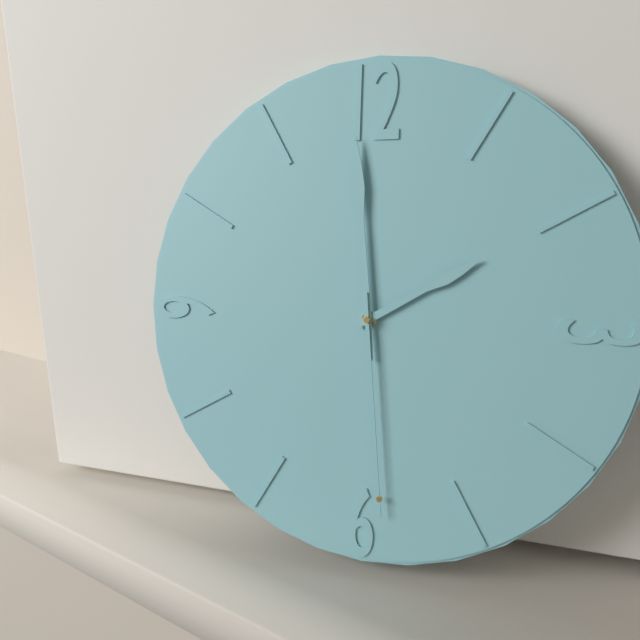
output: h=1 m=59 s=29
